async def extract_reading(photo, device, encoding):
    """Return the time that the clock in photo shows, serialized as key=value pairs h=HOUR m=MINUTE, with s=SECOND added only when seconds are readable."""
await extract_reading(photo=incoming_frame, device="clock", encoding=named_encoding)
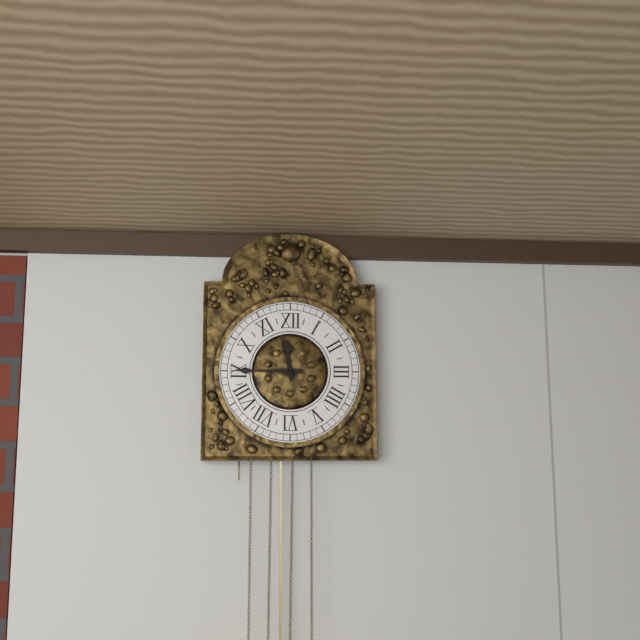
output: h=11 m=45
